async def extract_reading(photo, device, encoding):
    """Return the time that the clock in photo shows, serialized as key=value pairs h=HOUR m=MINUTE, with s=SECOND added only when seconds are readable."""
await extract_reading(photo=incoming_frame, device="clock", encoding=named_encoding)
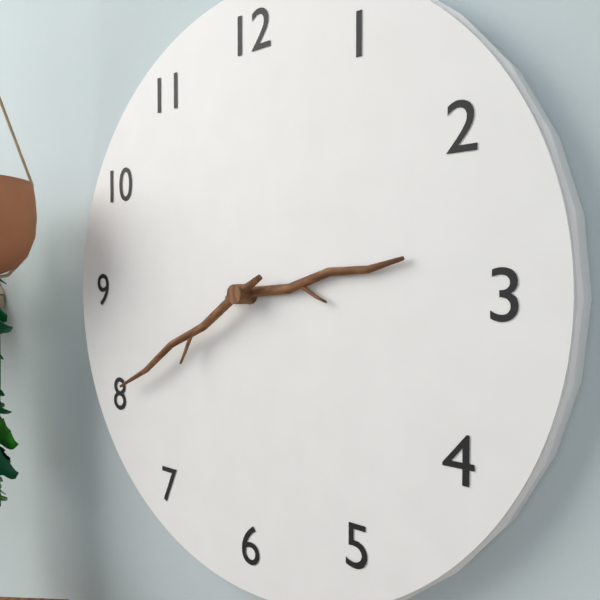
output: h=2 m=40
